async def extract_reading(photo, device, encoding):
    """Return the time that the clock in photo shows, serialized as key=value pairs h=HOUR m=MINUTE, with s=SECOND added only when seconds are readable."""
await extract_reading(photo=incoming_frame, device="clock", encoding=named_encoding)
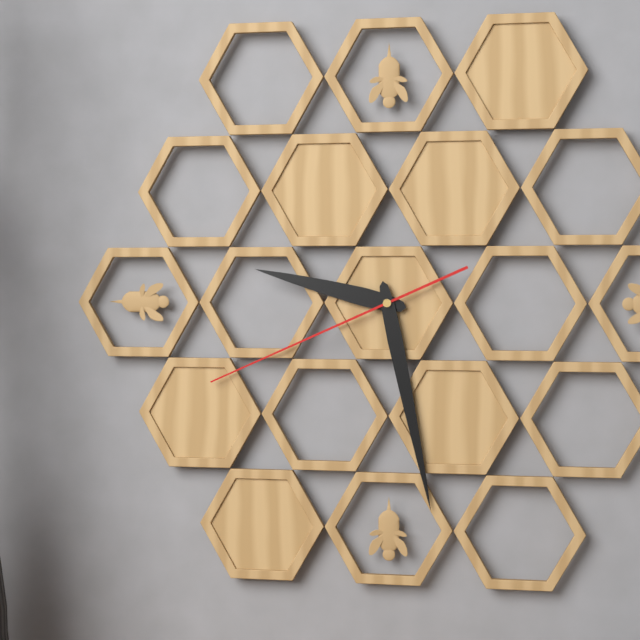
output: h=9 m=28 s=41
